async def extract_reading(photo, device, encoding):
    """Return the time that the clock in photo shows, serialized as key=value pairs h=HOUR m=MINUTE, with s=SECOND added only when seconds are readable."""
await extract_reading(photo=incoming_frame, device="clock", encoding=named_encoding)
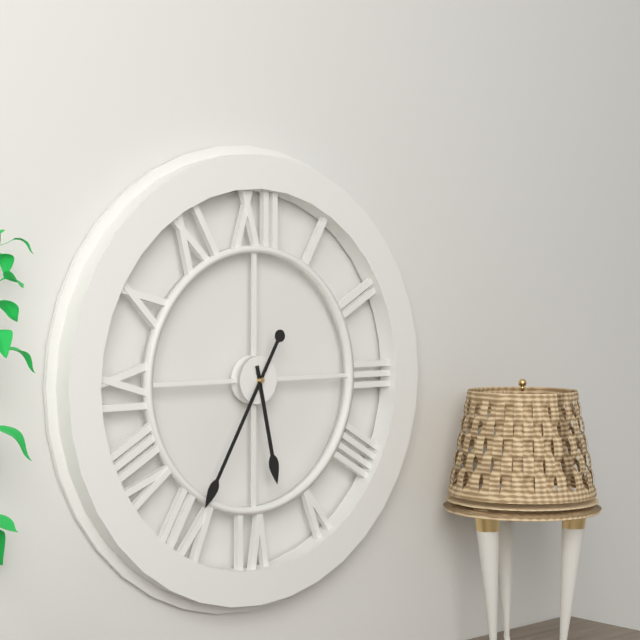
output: h=5 m=35
